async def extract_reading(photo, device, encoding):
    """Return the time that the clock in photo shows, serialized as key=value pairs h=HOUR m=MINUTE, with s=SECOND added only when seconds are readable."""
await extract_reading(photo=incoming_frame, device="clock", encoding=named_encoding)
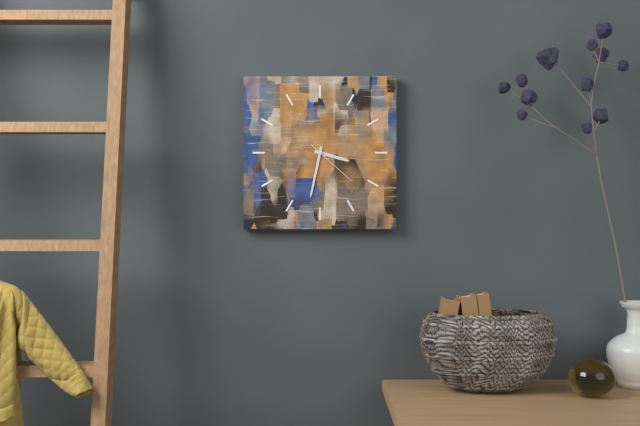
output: h=3 m=32 s=22
